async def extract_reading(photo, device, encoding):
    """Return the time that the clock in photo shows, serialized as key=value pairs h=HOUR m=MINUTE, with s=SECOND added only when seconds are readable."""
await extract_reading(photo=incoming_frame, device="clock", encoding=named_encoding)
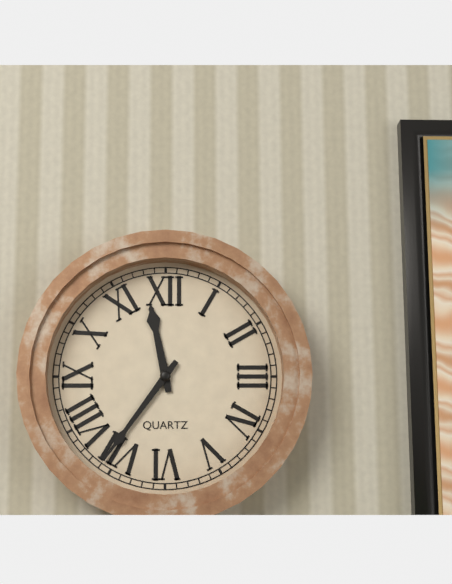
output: h=11 m=36
